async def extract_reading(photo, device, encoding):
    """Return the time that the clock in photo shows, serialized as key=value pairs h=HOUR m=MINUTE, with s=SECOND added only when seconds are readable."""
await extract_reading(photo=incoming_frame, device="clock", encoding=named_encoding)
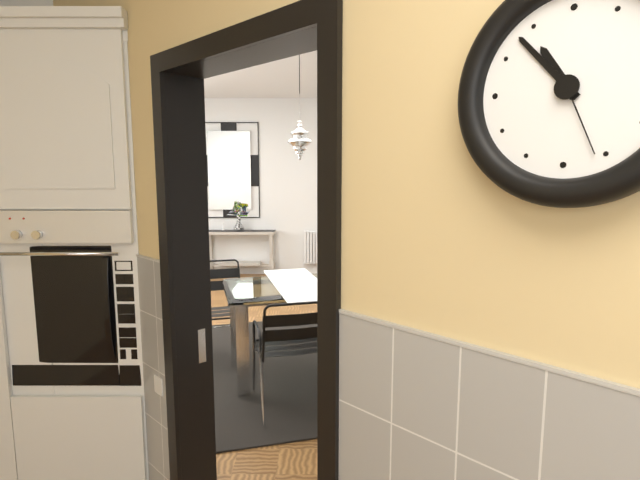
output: h=10 m=53 s=26
